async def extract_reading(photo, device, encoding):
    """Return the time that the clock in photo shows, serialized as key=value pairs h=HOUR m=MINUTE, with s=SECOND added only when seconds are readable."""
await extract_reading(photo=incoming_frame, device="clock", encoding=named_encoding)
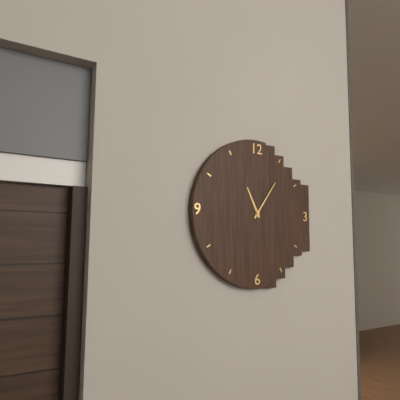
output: h=11 m=6
